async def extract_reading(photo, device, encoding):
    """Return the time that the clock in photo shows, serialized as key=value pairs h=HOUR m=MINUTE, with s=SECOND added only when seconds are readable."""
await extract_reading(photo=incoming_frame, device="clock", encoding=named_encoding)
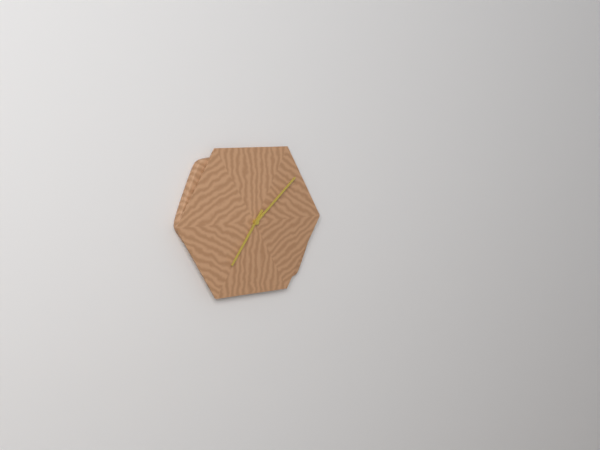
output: h=7 m=8
